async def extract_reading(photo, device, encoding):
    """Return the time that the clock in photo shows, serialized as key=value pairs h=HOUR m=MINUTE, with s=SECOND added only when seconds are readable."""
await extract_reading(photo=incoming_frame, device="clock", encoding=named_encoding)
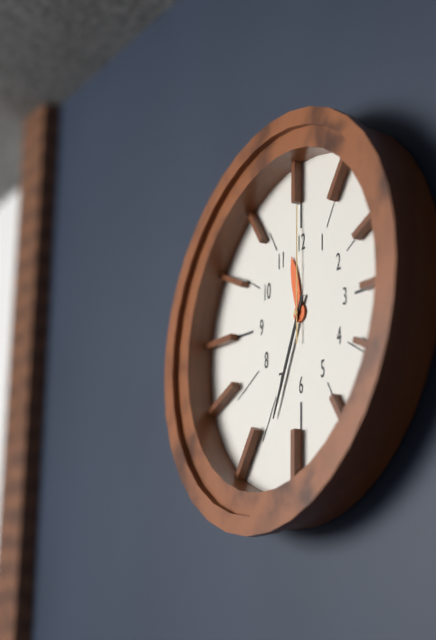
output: h=11 m=34 s=0
